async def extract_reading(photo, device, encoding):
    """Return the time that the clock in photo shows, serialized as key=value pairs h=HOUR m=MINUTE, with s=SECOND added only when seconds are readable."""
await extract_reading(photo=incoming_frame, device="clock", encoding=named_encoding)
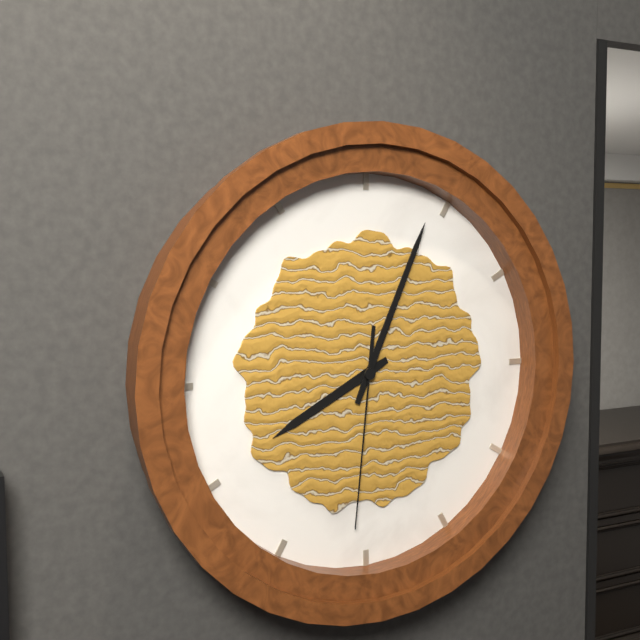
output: h=8 m=4 s=31
